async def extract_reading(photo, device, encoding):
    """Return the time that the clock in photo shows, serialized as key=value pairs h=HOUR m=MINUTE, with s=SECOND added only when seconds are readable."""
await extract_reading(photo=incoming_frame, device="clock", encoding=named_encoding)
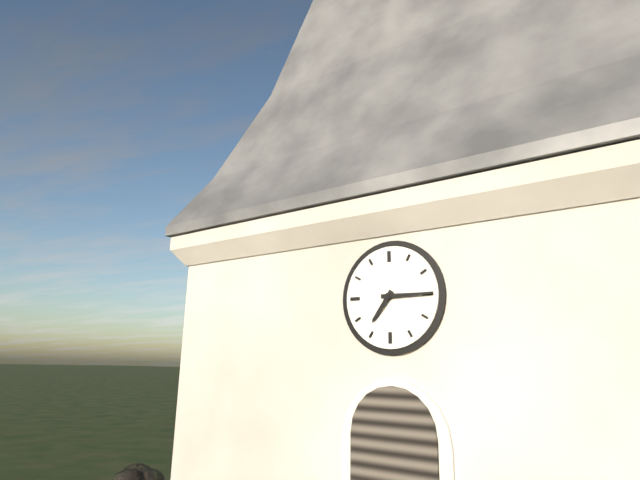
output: h=7 m=15
